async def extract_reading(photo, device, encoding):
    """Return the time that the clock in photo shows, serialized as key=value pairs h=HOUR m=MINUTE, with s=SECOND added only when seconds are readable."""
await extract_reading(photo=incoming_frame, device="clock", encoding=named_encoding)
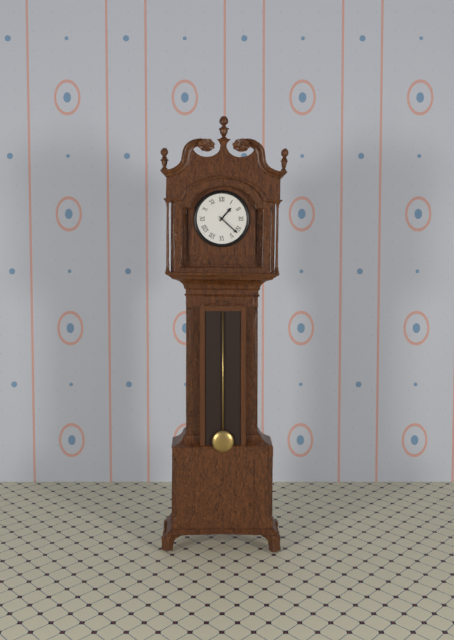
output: h=1 m=22
